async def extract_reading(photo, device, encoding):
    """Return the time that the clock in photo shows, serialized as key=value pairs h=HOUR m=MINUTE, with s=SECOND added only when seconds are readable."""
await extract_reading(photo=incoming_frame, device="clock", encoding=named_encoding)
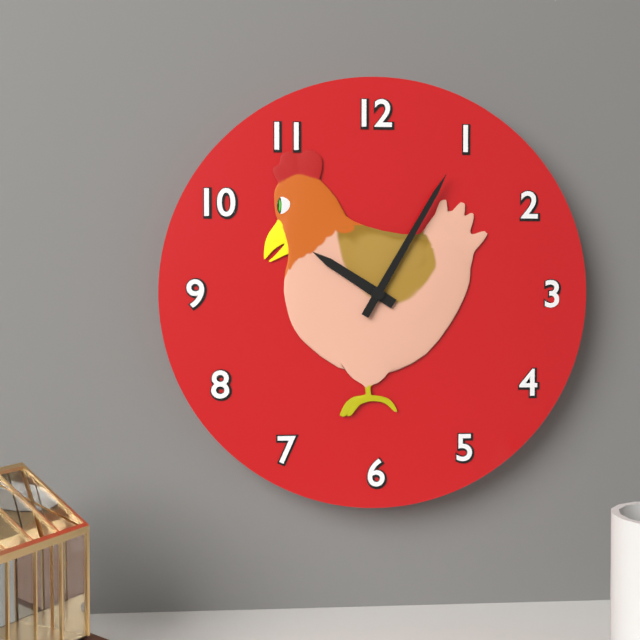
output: h=10 m=5
